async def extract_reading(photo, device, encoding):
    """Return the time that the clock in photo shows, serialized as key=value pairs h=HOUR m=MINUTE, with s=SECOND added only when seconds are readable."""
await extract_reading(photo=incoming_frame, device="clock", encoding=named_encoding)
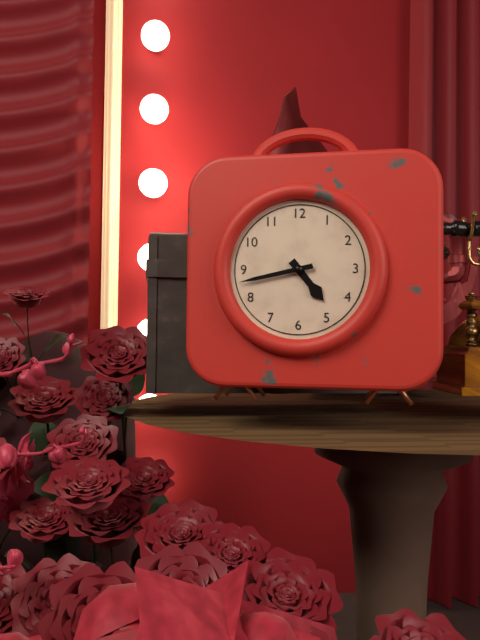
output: h=4 m=43
